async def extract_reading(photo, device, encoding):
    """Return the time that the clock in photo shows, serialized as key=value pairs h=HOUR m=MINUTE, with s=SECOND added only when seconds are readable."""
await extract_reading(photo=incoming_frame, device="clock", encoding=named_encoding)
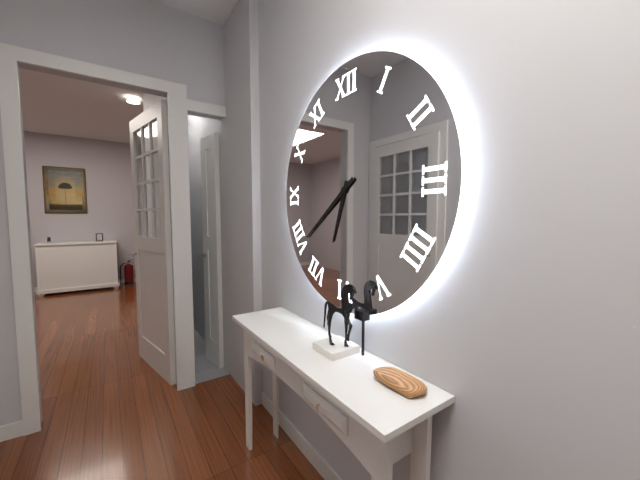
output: h=6 m=39
